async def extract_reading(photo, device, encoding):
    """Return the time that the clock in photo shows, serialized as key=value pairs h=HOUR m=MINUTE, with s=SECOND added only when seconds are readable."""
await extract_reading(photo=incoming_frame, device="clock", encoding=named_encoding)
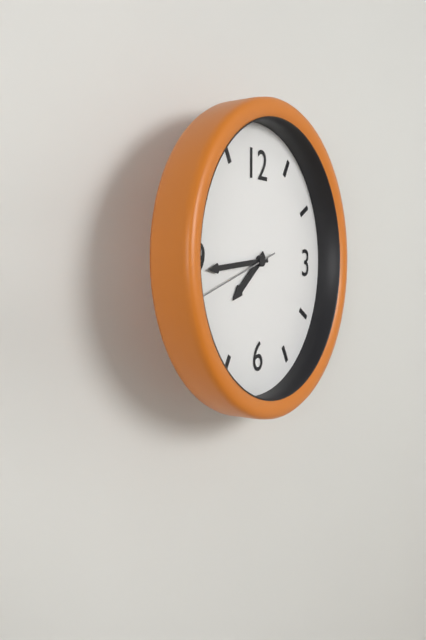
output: h=7 m=44 s=42
